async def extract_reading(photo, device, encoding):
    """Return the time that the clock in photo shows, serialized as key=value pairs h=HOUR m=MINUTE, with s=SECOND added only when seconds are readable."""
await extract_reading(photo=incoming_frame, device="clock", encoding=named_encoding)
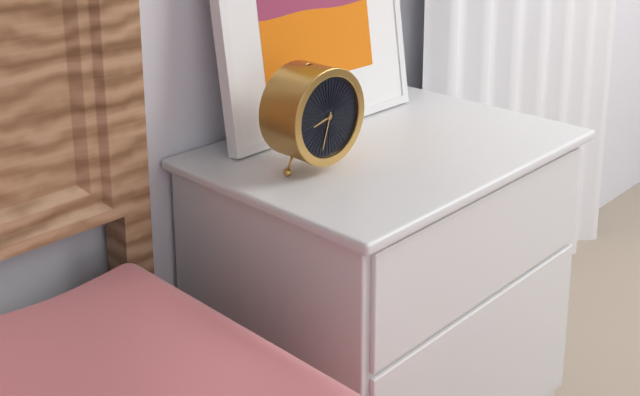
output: h=8 m=33
